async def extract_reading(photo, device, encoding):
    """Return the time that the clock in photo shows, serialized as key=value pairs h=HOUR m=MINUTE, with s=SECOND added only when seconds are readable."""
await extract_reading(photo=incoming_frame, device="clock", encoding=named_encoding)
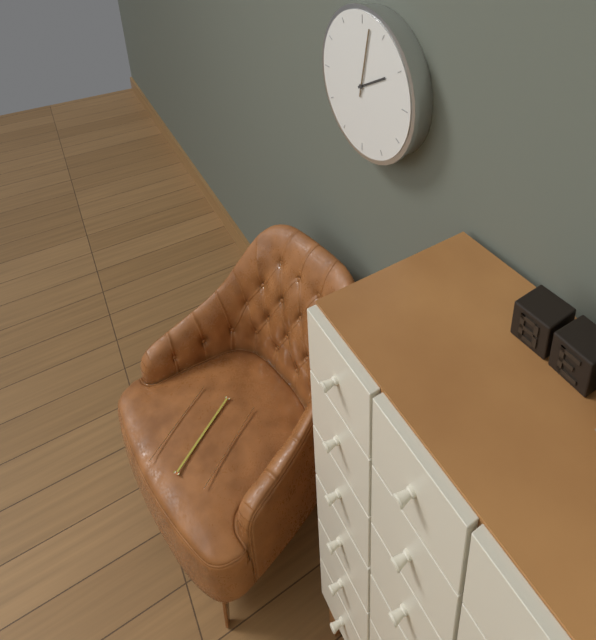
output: h=2 m=2
